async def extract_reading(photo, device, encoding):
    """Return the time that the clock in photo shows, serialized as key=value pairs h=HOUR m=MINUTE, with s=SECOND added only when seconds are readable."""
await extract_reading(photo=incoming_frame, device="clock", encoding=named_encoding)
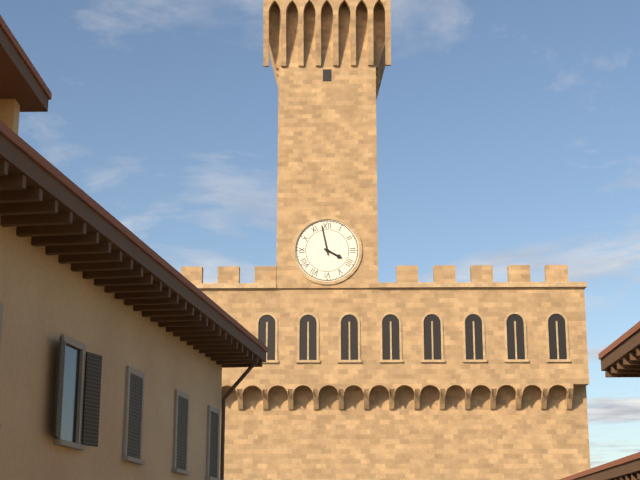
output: h=3 m=58
